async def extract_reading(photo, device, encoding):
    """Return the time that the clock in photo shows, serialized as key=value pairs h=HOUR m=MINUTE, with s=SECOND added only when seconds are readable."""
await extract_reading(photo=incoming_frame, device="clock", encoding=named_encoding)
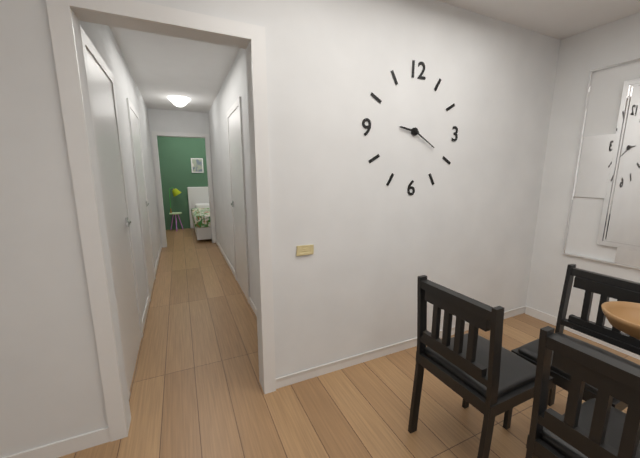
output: h=9 m=20
